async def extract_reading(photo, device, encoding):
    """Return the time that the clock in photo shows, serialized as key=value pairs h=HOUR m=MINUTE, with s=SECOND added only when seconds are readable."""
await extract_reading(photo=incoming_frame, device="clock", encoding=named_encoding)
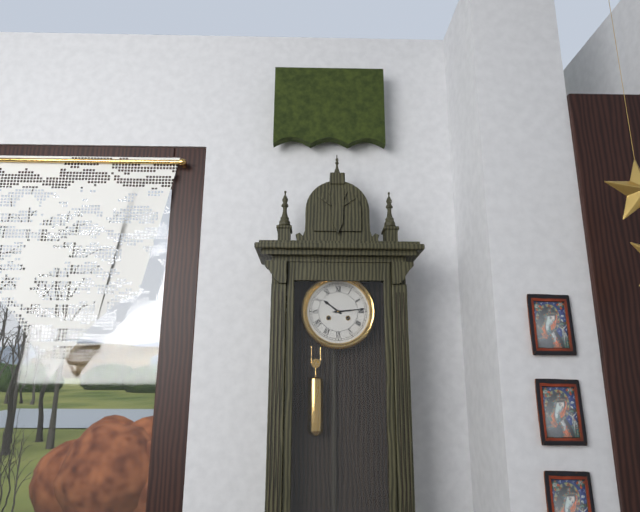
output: h=10 m=14
